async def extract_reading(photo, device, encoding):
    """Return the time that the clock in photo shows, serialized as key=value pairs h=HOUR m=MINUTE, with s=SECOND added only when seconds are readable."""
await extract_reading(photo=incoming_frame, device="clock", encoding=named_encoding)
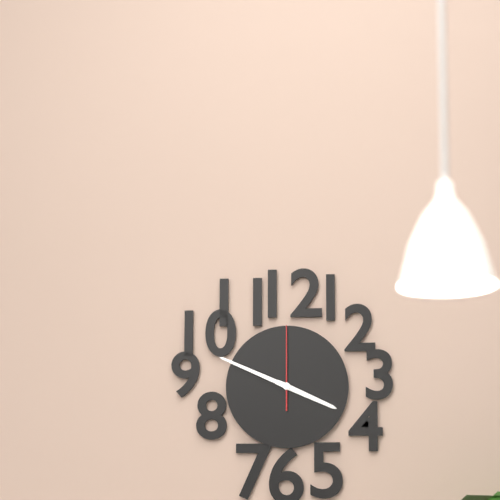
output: h=3 m=49 s=0
